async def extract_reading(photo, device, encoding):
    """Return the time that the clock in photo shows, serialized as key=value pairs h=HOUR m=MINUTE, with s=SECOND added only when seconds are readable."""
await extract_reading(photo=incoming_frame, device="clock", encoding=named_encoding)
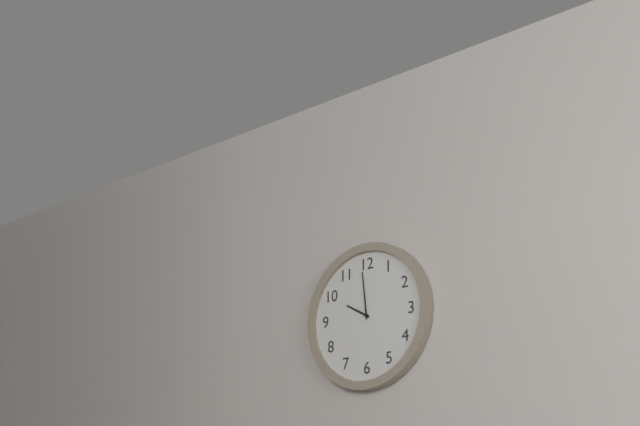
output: h=9 m=59
